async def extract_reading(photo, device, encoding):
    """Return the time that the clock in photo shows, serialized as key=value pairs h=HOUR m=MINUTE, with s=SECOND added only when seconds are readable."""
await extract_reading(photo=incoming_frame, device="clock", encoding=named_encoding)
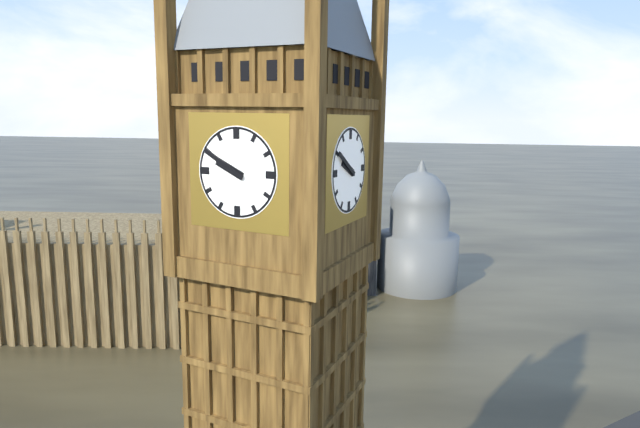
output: h=9 m=50
